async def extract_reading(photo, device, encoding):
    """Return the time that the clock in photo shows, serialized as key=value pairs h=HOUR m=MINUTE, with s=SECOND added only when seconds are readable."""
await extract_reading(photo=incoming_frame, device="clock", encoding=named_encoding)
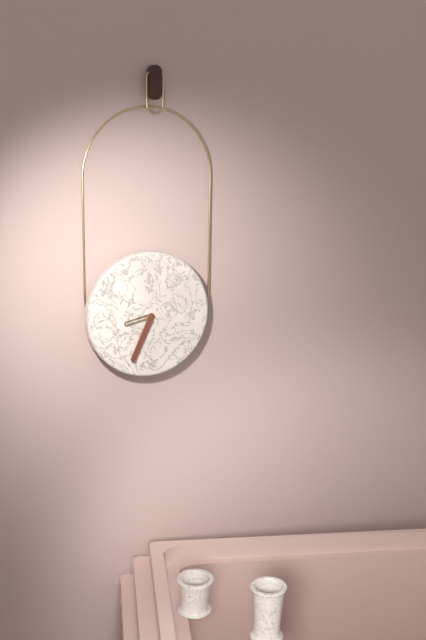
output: h=8 m=34
